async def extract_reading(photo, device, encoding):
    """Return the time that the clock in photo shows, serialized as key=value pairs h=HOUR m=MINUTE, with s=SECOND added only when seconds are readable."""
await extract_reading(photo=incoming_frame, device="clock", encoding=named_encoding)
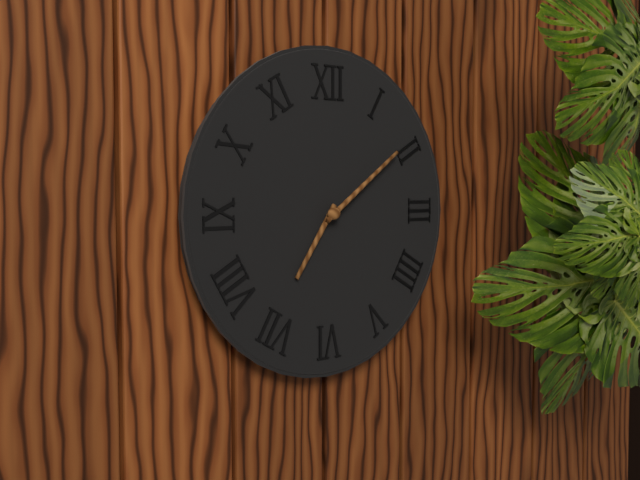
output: h=7 m=9
